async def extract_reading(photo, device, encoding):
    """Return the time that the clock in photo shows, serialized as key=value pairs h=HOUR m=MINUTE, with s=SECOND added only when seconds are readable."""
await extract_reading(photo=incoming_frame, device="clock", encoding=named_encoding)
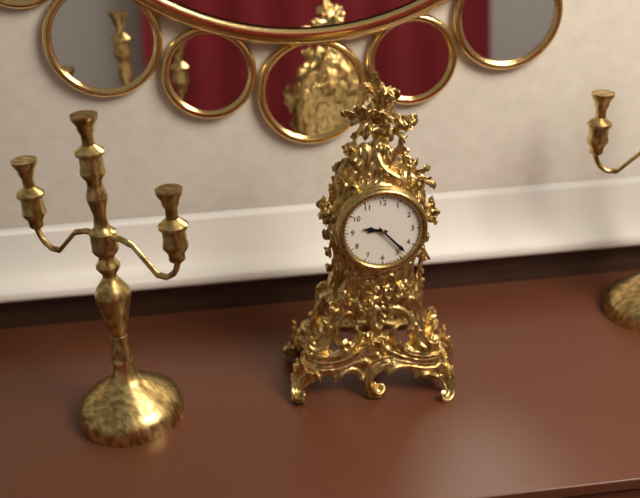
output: h=9 m=23
